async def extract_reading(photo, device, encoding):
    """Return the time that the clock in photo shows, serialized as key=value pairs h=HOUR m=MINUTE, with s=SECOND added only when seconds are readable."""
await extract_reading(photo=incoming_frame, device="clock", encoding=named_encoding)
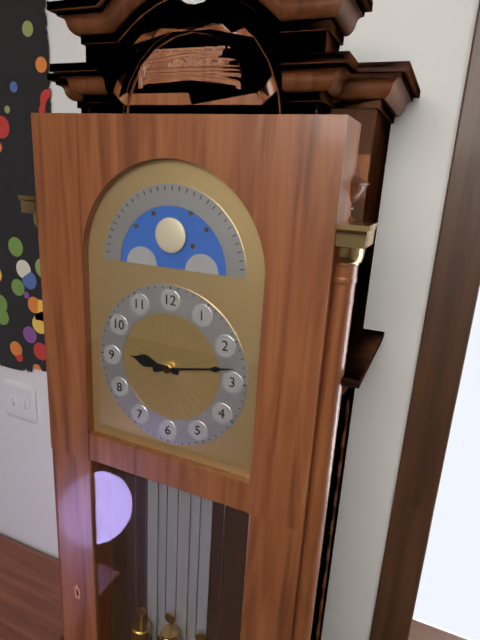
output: h=9 m=13
